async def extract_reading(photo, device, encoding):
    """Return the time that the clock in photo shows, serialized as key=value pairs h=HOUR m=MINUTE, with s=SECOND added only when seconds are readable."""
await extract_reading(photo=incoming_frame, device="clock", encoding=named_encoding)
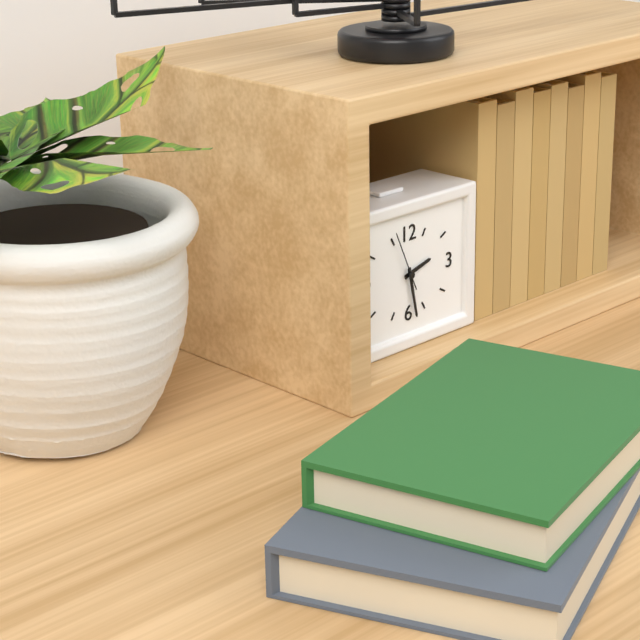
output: h=2 m=28 s=56
